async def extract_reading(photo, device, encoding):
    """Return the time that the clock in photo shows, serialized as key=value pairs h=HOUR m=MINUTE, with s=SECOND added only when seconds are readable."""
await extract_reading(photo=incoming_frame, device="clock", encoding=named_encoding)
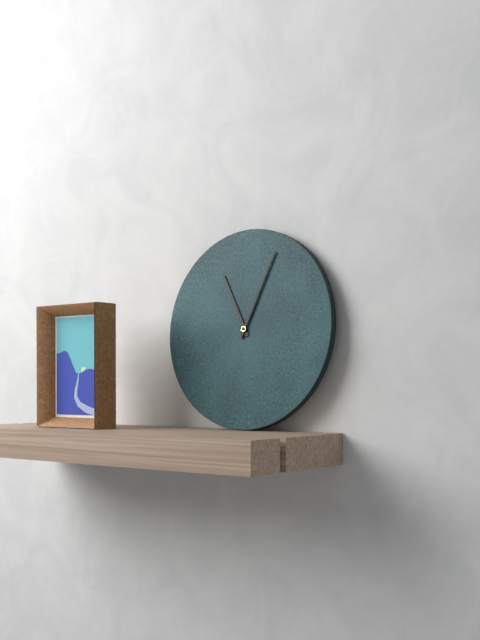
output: h=11 m=4
